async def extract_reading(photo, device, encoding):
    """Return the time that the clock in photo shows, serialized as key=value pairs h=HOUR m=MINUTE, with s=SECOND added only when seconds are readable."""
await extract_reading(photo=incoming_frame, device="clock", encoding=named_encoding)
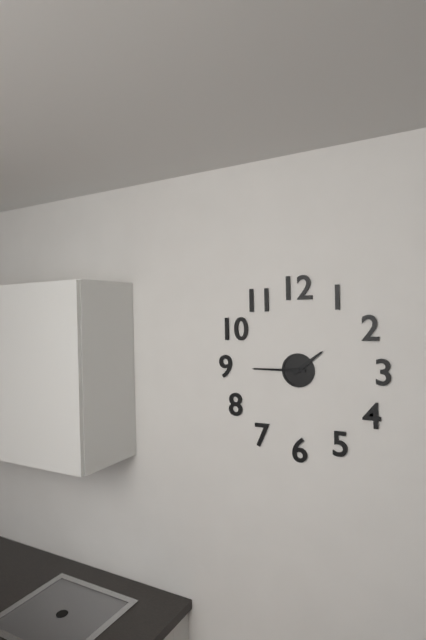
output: h=1 m=45
